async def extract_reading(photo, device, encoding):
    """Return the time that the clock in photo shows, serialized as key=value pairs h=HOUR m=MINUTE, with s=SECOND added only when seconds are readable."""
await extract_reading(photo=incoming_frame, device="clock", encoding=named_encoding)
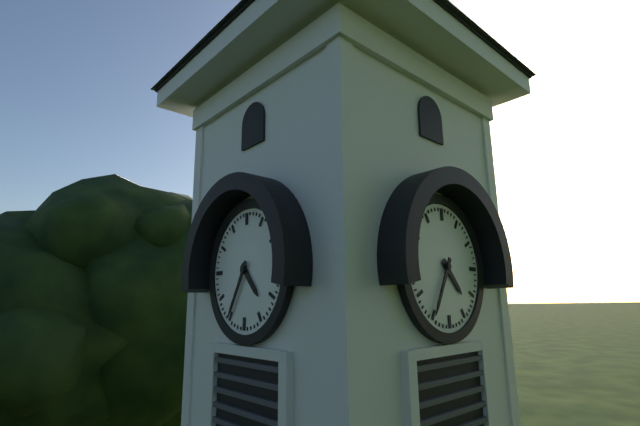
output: h=4 m=35
